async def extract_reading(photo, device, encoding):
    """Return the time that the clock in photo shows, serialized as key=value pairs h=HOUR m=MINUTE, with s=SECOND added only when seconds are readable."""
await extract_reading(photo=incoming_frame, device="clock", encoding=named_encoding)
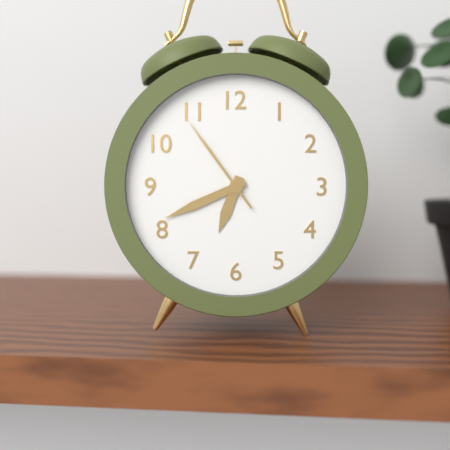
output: h=6 m=41 s=54
